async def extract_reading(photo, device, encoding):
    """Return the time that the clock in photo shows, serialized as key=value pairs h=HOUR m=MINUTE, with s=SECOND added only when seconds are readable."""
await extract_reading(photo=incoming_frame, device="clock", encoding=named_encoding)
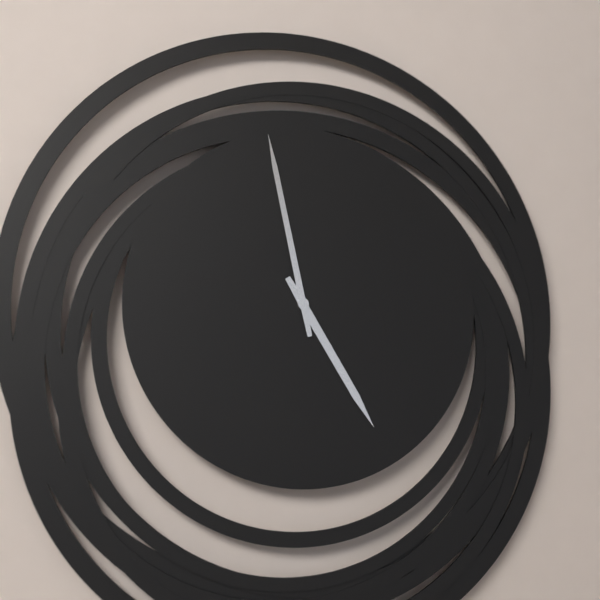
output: h=4 m=58
